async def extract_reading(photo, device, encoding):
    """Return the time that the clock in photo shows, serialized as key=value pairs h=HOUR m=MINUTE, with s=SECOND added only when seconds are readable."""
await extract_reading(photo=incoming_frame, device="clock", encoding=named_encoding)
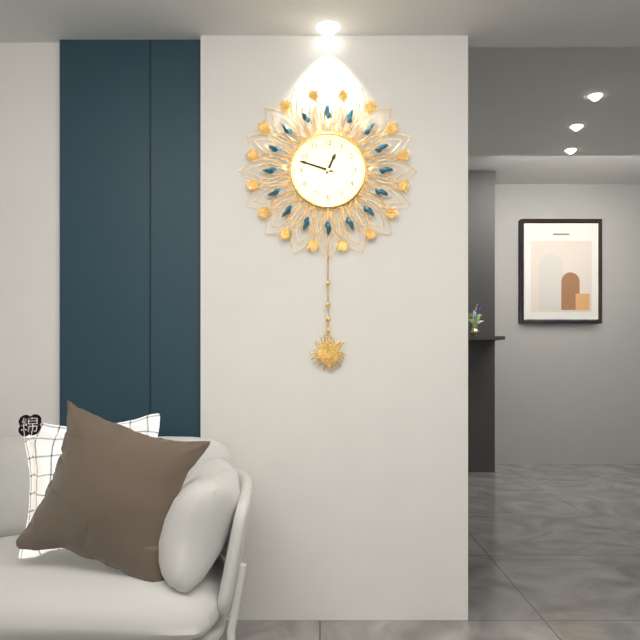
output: h=12 m=48
